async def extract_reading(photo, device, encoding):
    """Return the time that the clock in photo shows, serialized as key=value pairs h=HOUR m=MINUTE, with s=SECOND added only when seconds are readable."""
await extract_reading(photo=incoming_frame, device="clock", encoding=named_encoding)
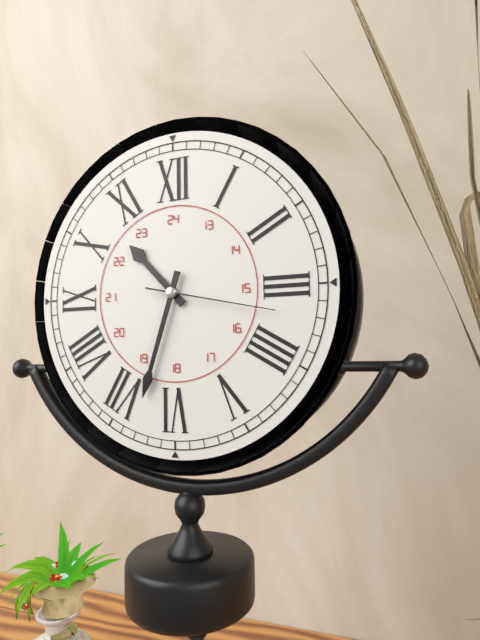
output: h=10 m=33 s=17
